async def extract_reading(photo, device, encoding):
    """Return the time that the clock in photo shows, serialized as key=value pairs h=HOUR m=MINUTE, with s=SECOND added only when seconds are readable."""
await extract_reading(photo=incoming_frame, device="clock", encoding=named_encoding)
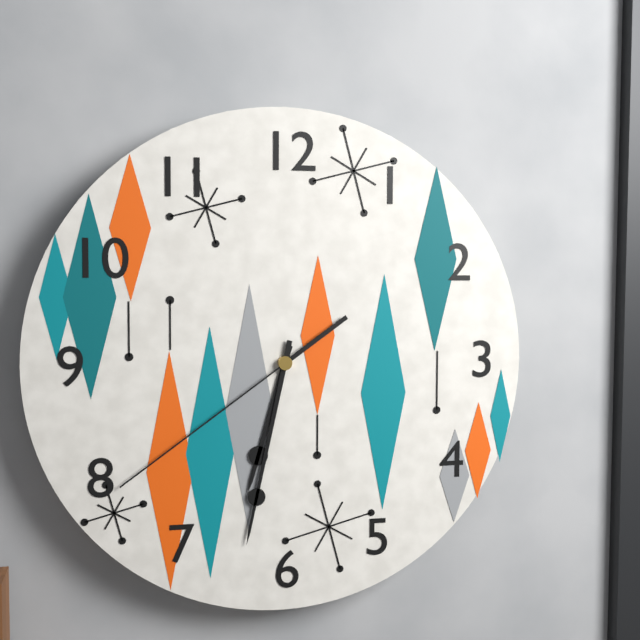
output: h=6 m=32 s=39
